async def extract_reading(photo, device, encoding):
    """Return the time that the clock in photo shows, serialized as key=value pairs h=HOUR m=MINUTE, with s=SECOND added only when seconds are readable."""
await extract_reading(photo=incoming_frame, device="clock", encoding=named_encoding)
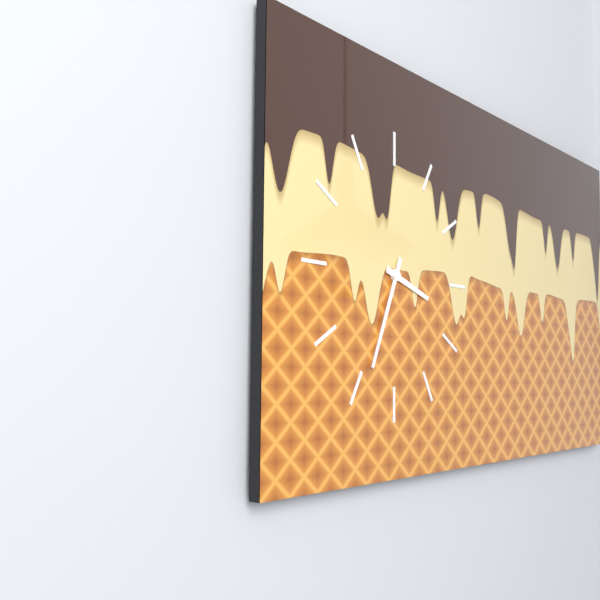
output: h=3 m=34
